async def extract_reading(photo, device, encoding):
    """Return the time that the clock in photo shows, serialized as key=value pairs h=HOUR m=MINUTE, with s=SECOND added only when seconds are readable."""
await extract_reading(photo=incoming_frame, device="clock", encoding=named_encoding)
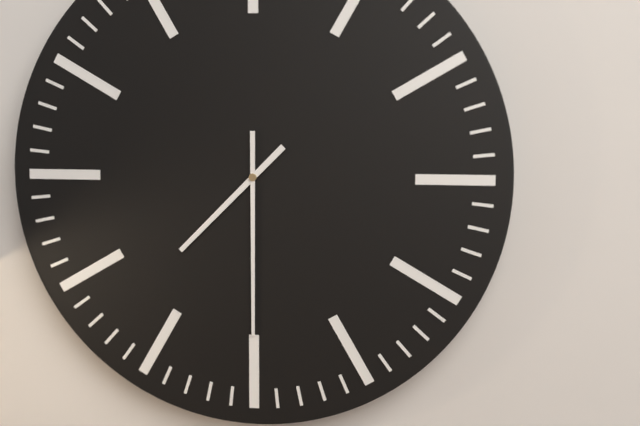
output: h=7 m=30
